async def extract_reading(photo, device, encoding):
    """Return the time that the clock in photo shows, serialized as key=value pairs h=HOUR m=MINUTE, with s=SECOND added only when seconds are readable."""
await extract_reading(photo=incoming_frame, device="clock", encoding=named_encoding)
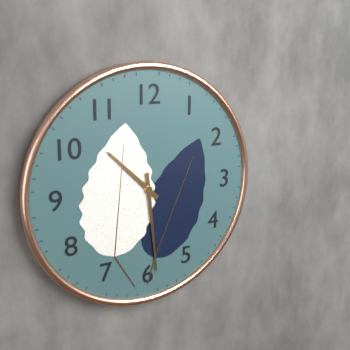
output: h=10 m=29
